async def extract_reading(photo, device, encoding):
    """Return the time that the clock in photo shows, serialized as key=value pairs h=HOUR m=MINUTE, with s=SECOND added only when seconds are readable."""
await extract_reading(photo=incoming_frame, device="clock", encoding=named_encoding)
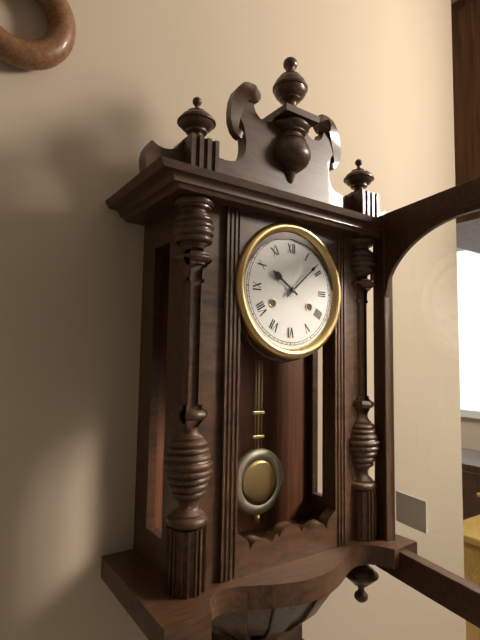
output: h=10 m=8
